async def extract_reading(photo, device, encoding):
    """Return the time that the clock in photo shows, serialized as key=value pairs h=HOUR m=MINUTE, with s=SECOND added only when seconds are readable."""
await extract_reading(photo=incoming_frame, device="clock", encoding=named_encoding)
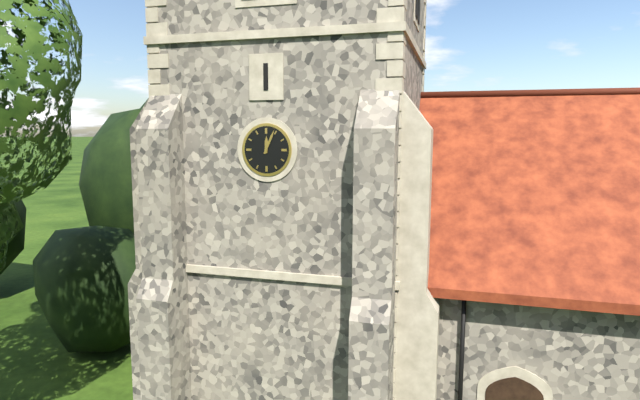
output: h=12 m=4
